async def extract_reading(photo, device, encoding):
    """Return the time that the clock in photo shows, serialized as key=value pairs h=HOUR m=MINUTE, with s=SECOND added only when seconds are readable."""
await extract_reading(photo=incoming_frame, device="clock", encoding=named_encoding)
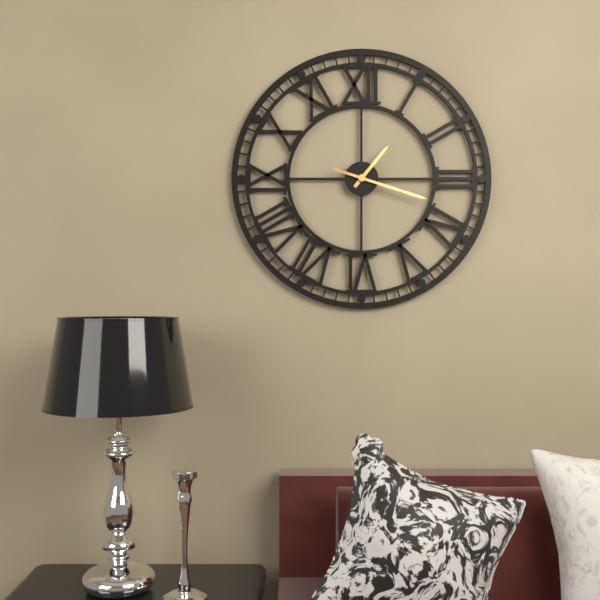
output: h=1 m=18
